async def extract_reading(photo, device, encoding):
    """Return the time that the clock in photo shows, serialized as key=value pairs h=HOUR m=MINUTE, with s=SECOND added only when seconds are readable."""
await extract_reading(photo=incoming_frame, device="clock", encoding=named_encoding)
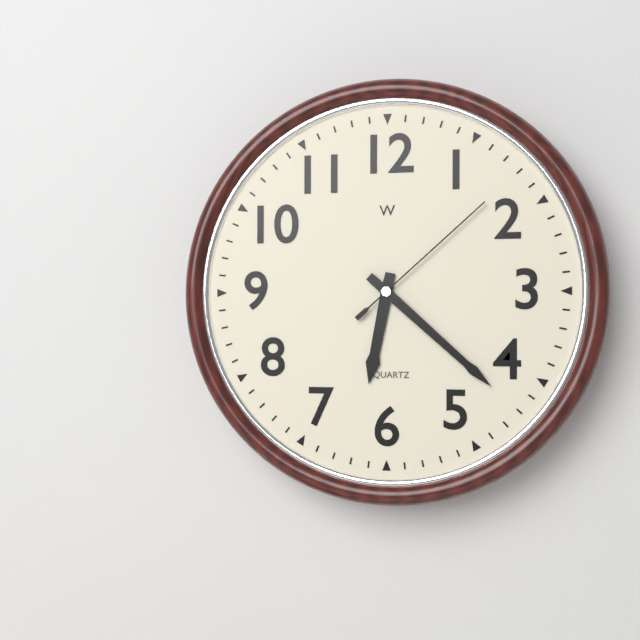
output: h=6 m=22 s=8
